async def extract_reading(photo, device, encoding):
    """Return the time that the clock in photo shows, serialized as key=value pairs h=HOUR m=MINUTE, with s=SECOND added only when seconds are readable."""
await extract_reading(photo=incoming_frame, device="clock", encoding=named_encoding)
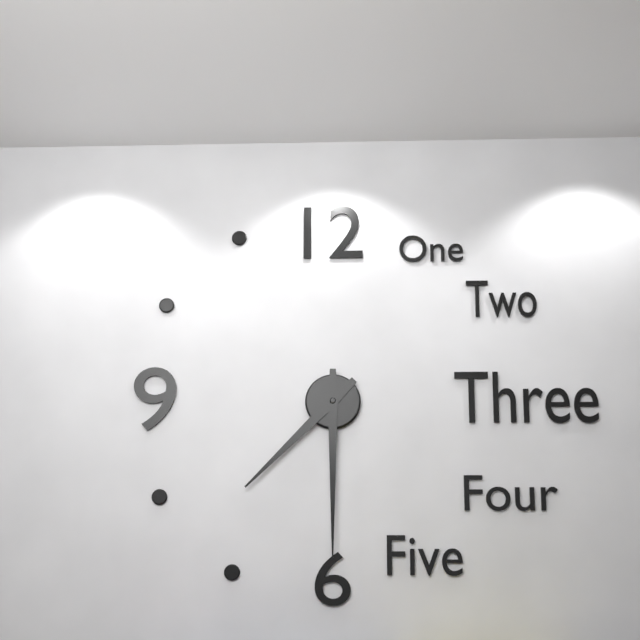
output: h=7 m=30
